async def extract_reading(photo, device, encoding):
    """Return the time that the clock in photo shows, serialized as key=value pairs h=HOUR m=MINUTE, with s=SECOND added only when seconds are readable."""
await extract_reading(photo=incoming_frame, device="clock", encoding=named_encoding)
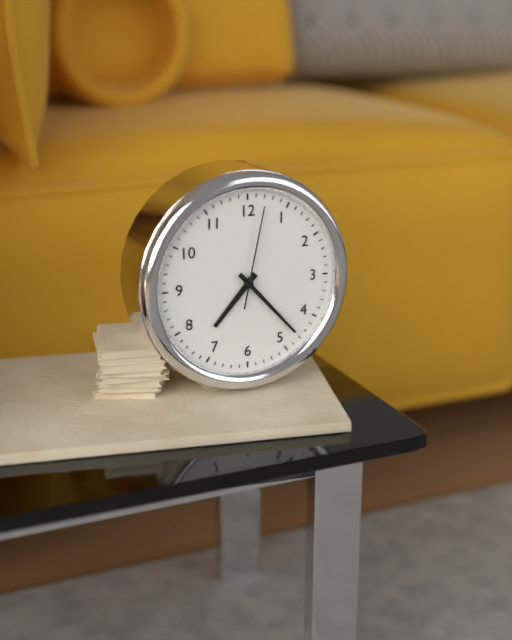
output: h=7 m=23 s=2
